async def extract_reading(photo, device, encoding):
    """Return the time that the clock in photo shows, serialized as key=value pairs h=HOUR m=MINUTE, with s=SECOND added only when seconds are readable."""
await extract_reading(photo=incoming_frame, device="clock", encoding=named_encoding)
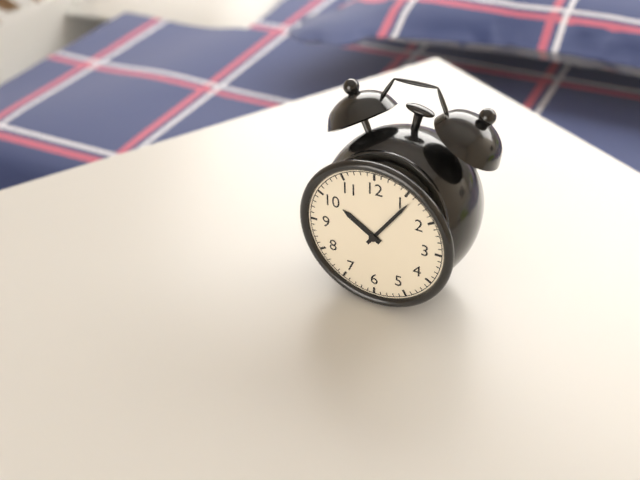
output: h=10 m=6
